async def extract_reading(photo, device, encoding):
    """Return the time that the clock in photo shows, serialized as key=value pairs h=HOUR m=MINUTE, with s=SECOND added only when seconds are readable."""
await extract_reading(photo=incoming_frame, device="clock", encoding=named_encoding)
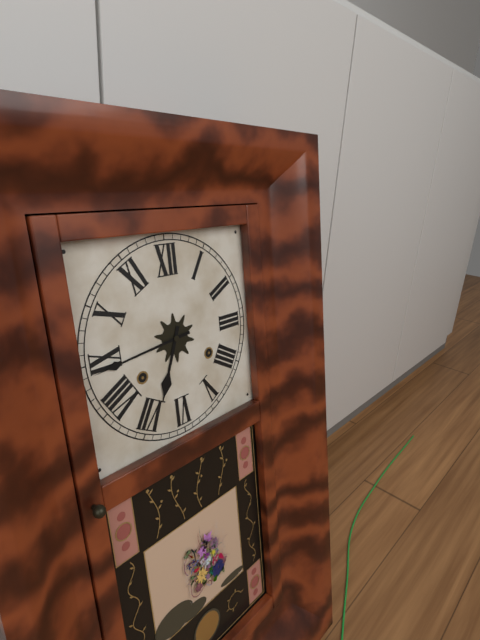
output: h=6 m=44
